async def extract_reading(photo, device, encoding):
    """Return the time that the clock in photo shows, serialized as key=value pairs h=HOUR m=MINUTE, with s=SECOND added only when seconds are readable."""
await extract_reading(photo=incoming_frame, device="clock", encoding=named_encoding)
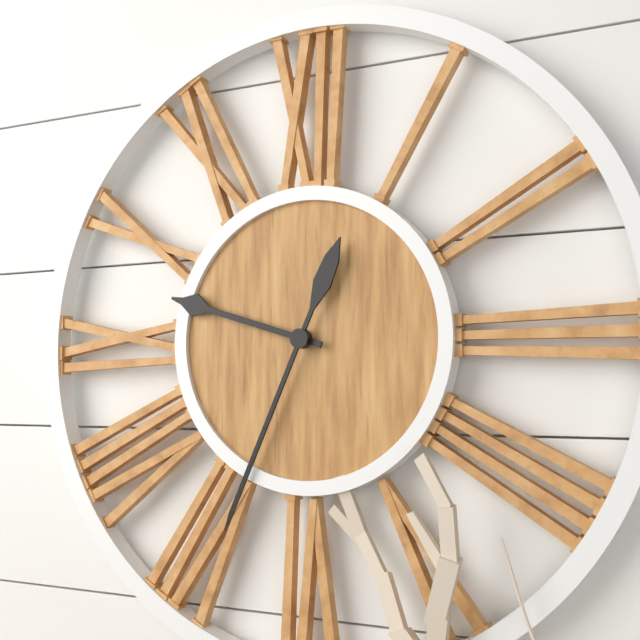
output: h=9 m=34
